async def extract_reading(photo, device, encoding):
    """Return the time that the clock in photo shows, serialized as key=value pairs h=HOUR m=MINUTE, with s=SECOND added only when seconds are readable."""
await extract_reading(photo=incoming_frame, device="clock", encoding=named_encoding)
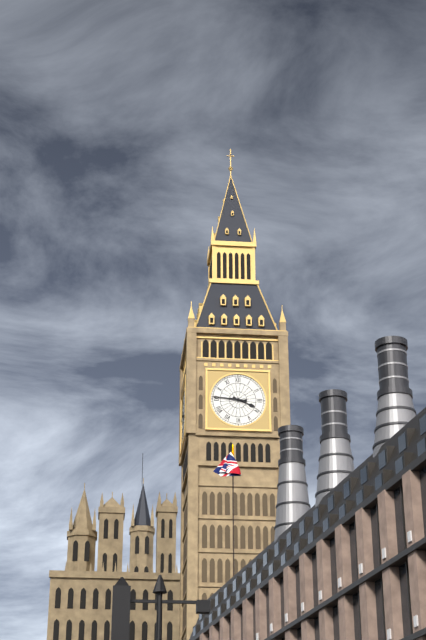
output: h=3 m=46
